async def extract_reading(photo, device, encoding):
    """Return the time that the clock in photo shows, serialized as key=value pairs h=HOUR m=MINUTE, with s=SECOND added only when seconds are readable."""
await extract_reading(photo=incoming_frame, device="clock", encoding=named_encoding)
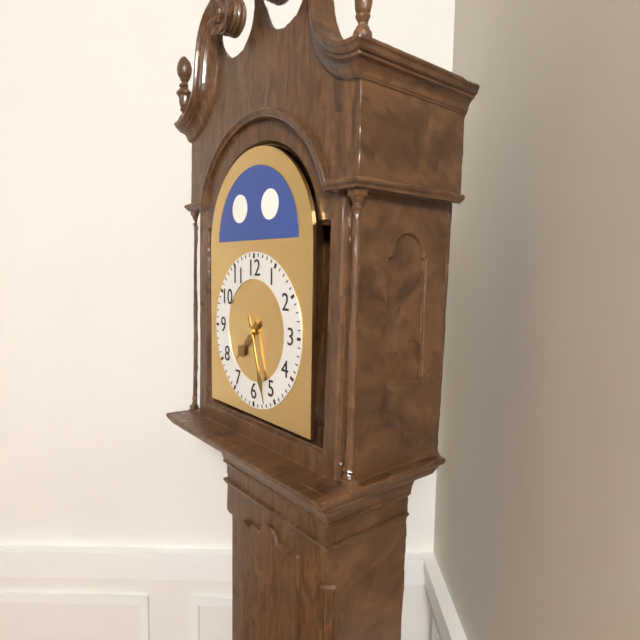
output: h=7 m=27
